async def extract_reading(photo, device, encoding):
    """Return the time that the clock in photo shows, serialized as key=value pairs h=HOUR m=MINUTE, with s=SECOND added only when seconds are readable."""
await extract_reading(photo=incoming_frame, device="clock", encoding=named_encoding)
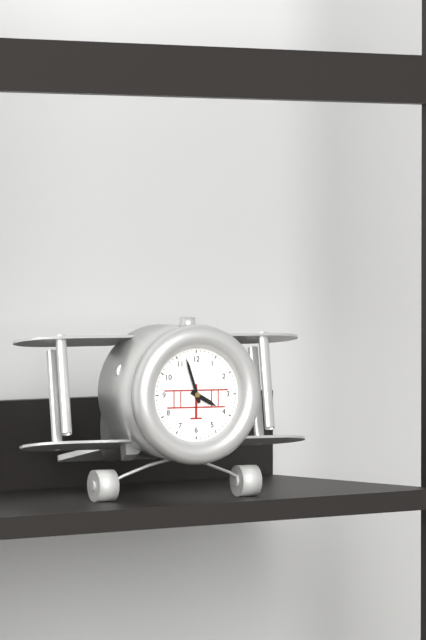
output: h=3 m=57
